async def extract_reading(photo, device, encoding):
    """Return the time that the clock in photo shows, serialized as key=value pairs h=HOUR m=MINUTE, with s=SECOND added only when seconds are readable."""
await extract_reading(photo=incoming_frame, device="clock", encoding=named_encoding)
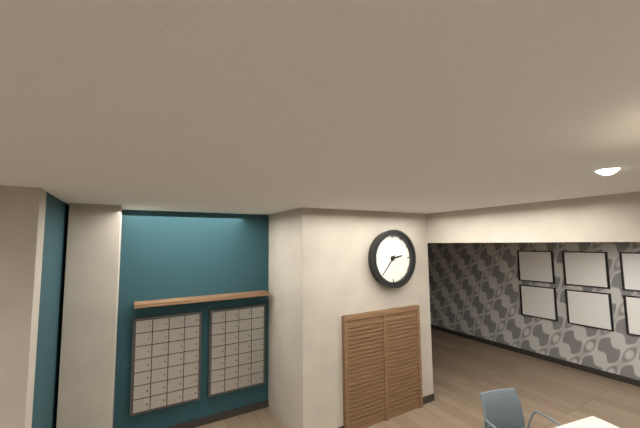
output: h=2 m=37
